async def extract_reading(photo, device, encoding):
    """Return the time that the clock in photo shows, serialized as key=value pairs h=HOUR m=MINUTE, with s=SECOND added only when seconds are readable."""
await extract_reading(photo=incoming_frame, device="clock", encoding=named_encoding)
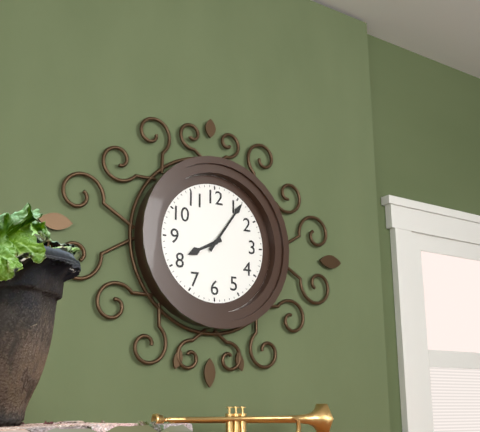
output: h=8 m=6
